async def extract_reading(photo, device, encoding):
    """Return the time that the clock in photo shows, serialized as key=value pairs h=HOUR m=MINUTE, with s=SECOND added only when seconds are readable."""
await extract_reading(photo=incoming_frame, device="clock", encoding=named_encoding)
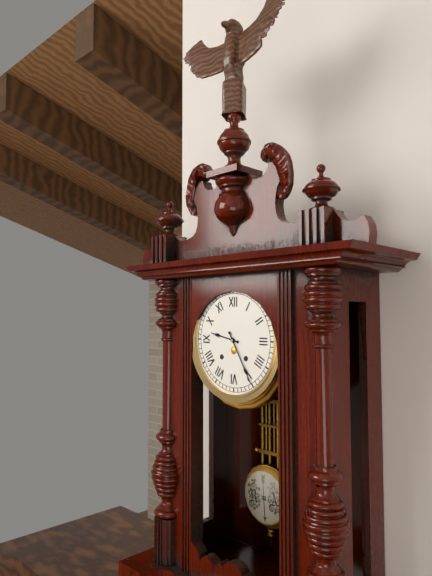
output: h=9 m=25
